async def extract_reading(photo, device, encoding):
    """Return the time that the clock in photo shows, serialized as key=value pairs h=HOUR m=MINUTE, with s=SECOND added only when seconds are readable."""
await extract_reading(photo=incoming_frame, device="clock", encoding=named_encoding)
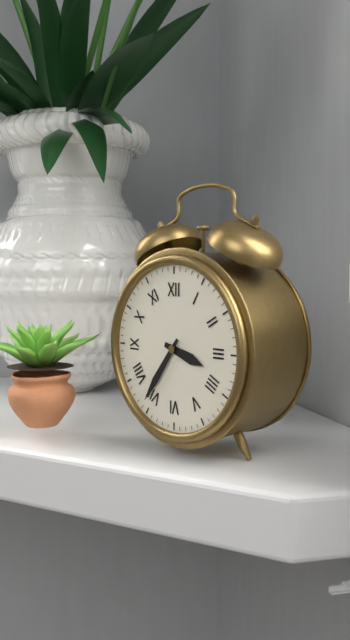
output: h=3 m=36
